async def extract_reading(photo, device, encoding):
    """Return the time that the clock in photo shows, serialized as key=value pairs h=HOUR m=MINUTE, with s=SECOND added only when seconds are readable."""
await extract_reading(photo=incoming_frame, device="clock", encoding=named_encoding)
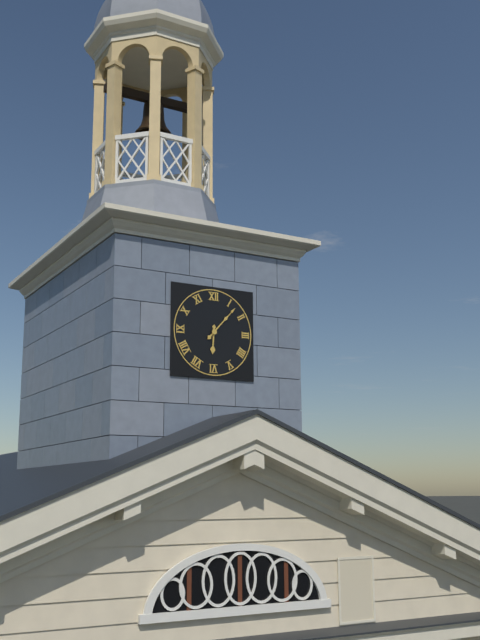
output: h=6 m=7
